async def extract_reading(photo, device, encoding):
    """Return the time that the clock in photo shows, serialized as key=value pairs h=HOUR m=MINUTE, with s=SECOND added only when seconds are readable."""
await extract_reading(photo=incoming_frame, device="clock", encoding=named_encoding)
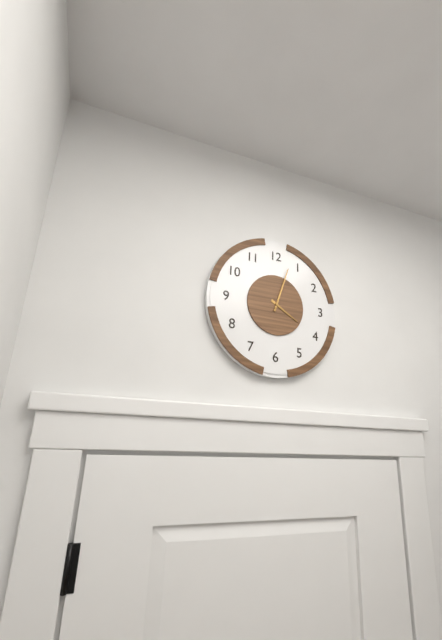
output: h=4 m=3
